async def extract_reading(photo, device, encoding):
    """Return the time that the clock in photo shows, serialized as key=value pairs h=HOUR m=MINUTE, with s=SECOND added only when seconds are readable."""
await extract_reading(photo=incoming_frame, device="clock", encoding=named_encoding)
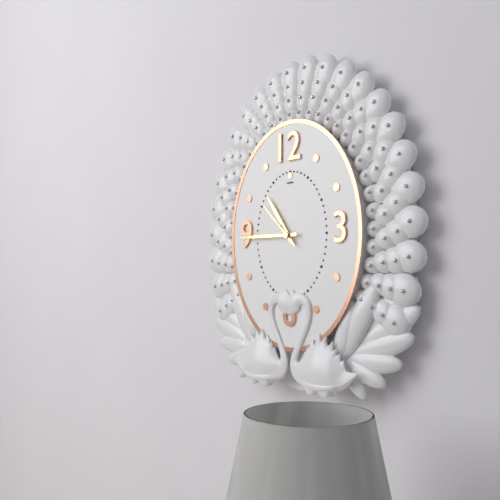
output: h=10 m=45 s=52
